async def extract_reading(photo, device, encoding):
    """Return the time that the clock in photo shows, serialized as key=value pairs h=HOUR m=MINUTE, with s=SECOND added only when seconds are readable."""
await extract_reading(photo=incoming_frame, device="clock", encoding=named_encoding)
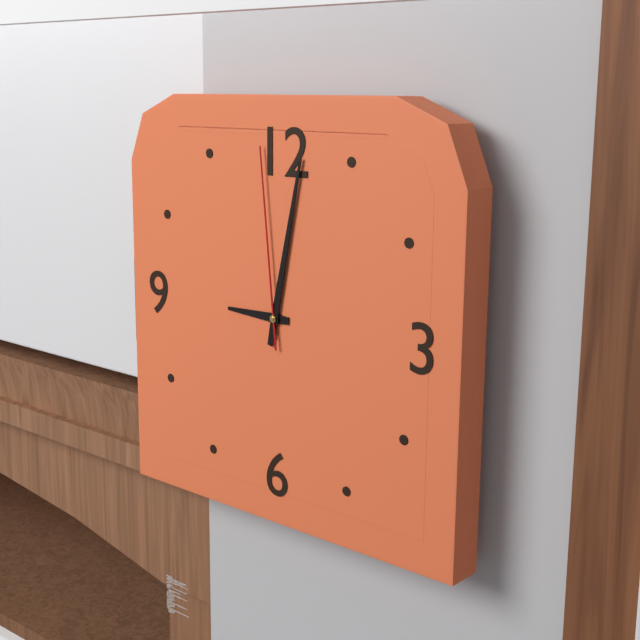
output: h=9 m=2 s=59
